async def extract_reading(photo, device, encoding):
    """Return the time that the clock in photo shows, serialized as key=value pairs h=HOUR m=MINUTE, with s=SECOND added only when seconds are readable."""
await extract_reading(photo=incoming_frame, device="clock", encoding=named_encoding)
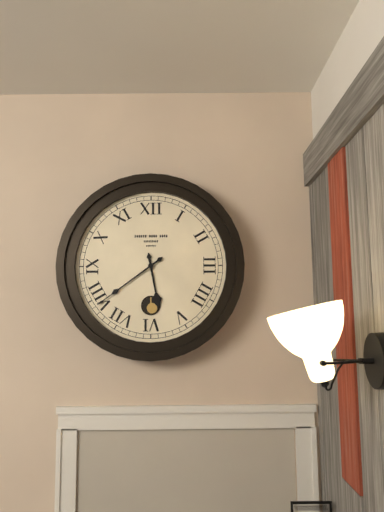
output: h=5 m=39
